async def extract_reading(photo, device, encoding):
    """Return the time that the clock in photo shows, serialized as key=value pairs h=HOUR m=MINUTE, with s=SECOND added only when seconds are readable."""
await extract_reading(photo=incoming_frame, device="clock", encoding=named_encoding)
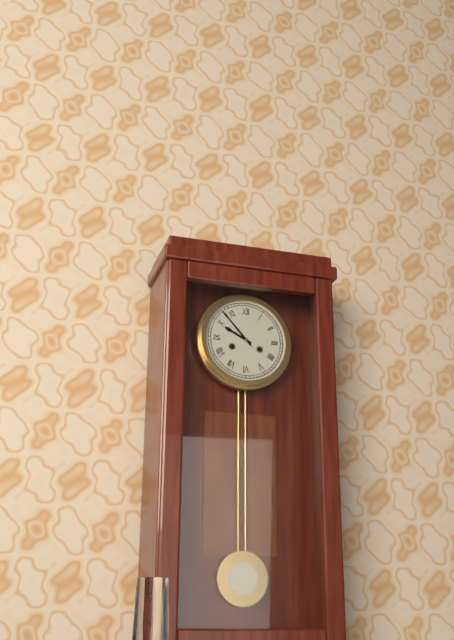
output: h=9 m=53
